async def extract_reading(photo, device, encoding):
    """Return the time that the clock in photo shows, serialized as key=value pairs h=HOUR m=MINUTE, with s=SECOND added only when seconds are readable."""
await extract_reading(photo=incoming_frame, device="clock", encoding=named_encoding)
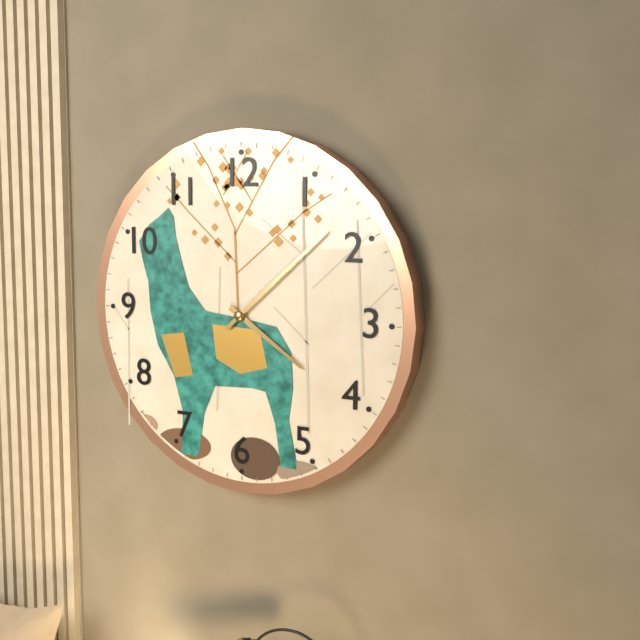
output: h=4 m=8
